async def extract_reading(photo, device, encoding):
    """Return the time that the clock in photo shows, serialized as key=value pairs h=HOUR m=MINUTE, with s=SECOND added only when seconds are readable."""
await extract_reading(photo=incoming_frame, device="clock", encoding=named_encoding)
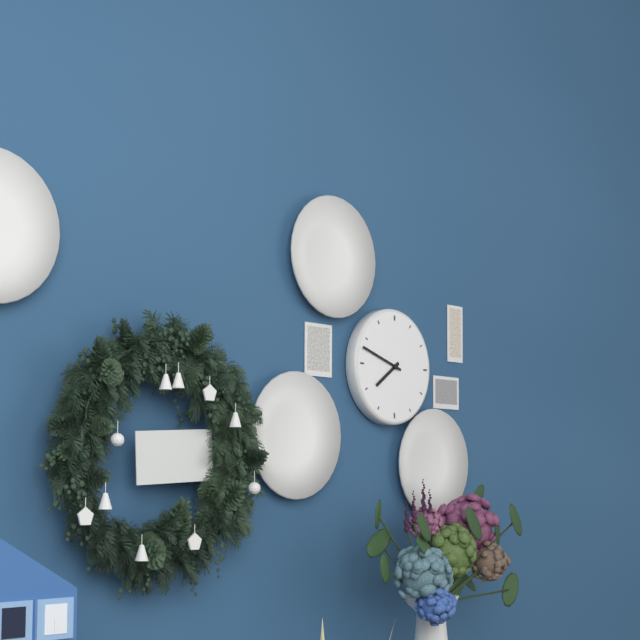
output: h=7 m=48
